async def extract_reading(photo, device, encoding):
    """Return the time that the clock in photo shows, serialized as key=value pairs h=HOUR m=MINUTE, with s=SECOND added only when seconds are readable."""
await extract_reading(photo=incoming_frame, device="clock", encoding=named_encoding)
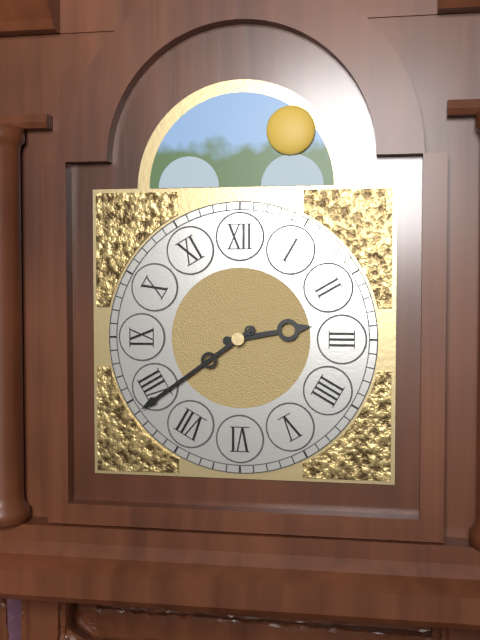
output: h=2 m=39
